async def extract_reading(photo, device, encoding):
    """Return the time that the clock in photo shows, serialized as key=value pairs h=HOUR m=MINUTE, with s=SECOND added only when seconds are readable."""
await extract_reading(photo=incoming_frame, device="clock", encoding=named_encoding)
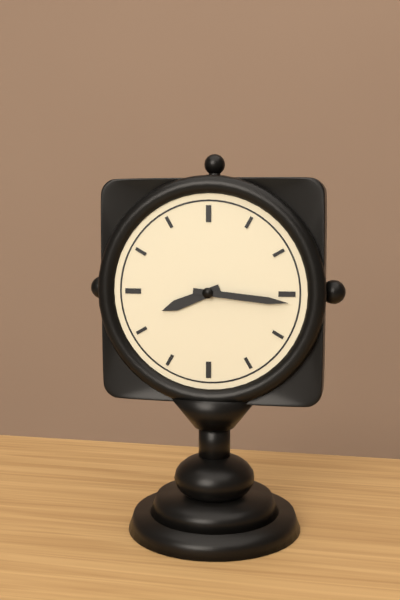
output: h=8 m=16
